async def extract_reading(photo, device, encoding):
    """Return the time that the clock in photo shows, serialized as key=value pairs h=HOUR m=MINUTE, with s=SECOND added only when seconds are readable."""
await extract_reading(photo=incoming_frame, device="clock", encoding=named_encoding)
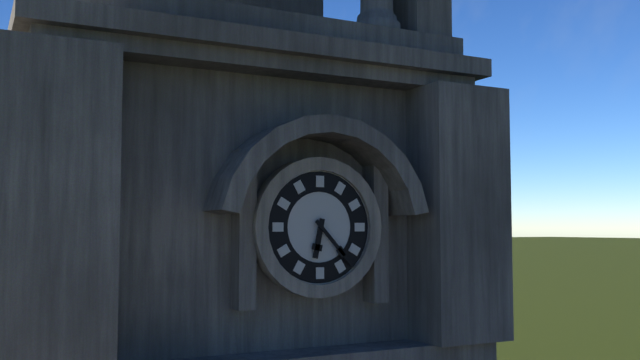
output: h=6 m=23
